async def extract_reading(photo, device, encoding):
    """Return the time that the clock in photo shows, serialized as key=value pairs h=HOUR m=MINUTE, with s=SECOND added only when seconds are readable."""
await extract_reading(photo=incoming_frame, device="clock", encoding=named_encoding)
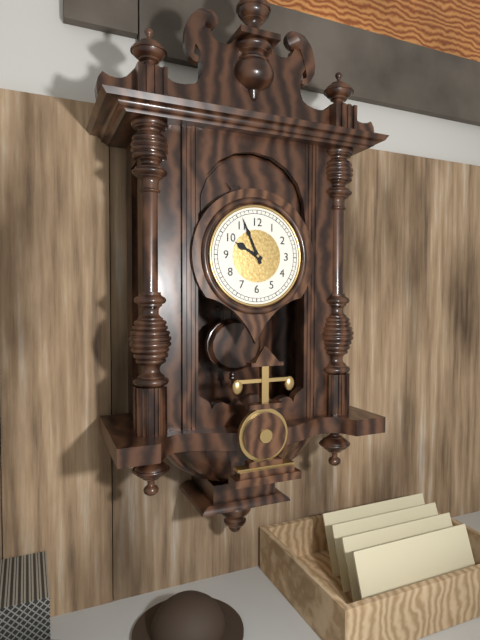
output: h=9 m=56
